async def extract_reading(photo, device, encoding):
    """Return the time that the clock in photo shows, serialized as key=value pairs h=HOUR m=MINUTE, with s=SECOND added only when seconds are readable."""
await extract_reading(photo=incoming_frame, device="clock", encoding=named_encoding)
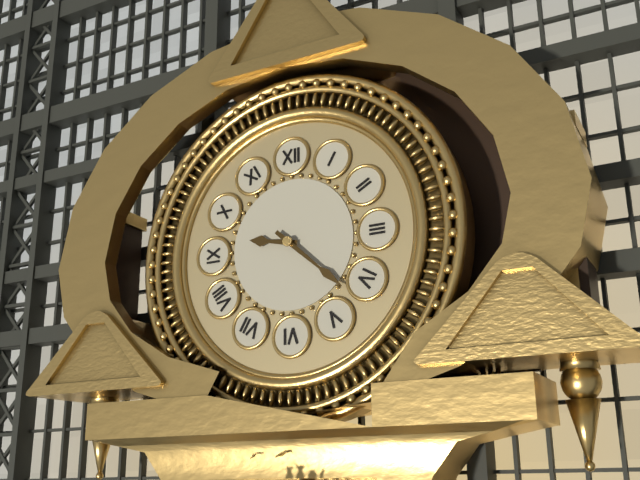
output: h=9 m=22
